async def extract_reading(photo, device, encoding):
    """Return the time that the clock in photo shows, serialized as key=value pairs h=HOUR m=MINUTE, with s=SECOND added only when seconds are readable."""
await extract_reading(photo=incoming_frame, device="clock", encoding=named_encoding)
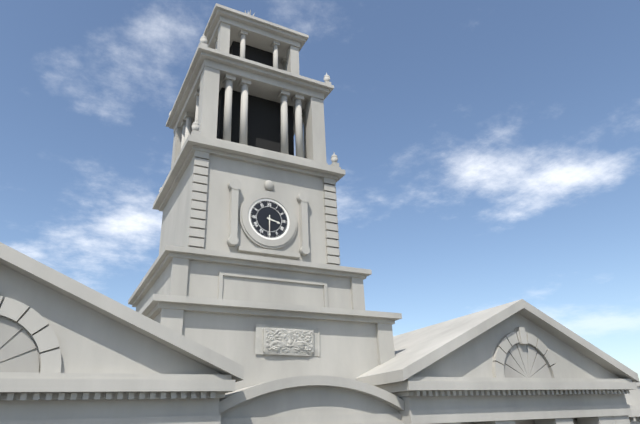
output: h=3 m=30
